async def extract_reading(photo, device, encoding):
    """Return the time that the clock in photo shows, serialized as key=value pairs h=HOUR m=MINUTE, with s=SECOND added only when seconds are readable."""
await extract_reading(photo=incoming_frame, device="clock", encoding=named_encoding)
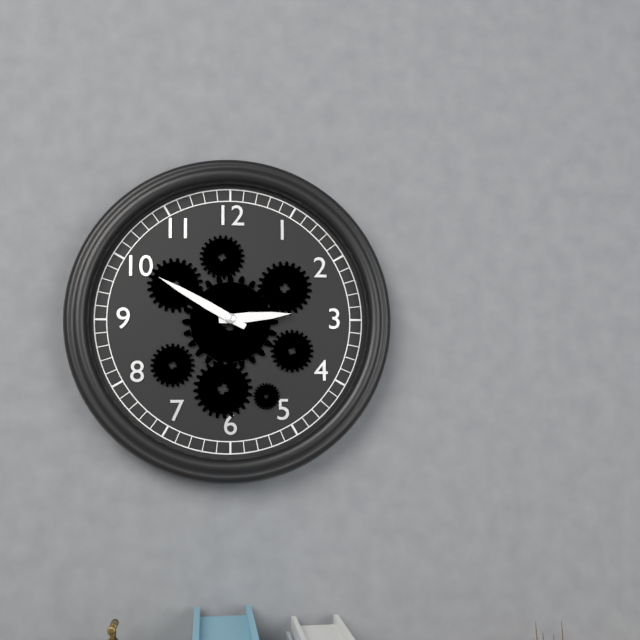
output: h=2 m=50
